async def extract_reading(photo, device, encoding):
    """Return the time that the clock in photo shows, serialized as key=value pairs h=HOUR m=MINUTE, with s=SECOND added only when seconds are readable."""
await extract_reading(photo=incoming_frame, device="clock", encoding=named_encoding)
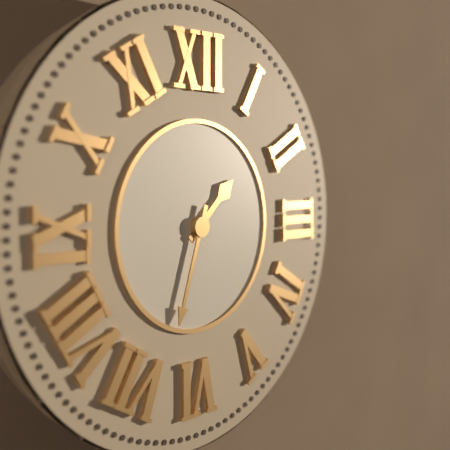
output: h=1 m=33
